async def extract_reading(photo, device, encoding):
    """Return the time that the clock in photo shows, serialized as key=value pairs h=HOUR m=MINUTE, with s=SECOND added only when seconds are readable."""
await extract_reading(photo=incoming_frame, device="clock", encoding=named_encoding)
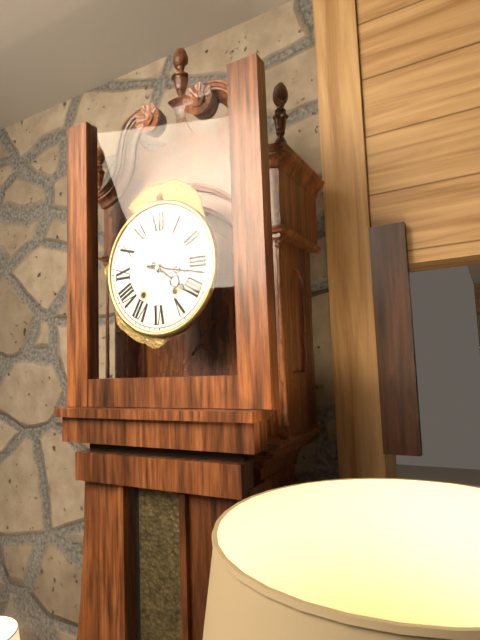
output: h=4 m=17
